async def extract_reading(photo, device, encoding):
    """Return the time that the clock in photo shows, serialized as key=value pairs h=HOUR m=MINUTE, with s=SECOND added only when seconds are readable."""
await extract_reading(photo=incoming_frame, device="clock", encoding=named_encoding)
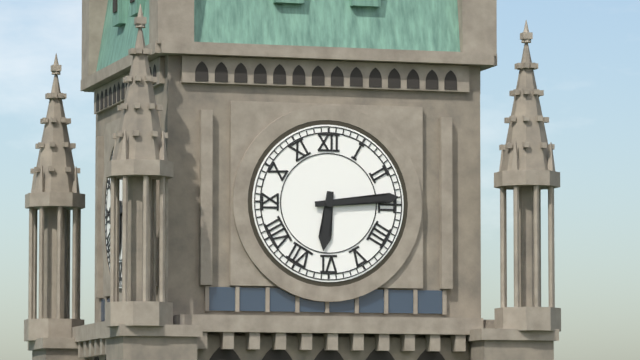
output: h=6 m=14
